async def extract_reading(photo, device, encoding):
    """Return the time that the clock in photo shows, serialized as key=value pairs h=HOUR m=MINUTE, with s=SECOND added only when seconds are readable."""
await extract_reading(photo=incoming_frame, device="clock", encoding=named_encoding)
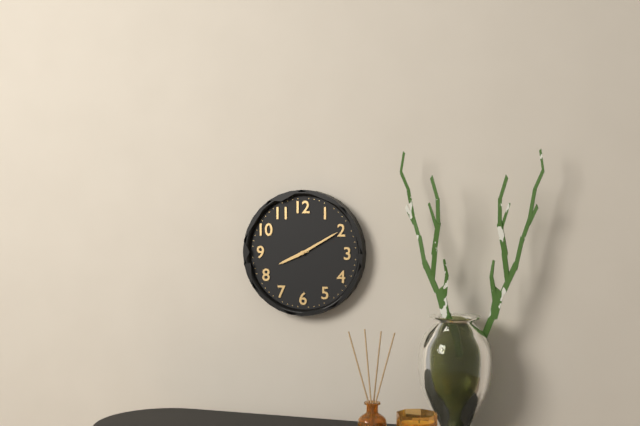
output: h=8 m=10
